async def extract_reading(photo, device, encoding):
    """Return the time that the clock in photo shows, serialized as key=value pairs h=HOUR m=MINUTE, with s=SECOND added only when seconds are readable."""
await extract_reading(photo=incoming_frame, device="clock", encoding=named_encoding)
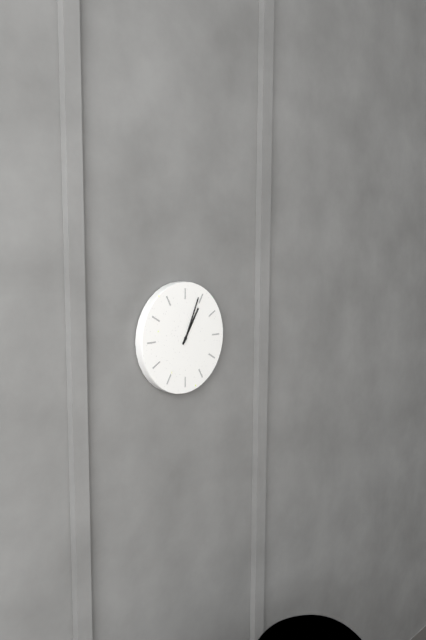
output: h=1 m=4
